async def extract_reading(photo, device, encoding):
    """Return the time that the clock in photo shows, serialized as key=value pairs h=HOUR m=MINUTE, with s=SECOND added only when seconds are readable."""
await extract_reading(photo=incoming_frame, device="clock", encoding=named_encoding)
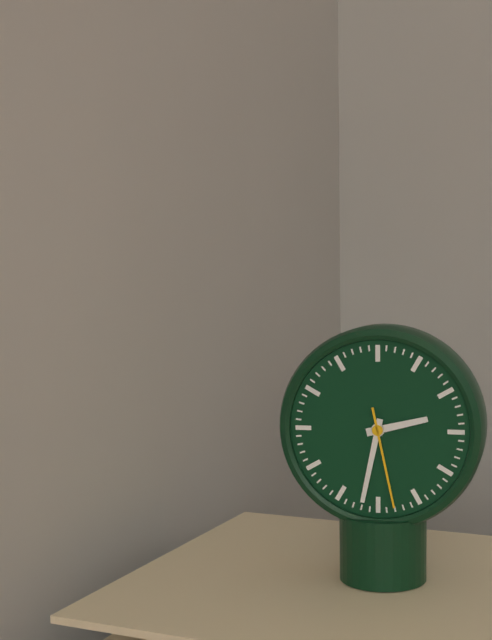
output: h=2 m=32 s=28
